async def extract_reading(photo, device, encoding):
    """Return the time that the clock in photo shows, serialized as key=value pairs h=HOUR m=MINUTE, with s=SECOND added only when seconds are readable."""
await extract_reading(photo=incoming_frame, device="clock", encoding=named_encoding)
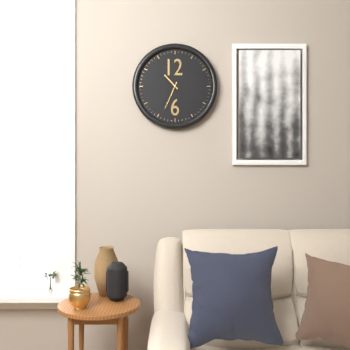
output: h=10 m=34
